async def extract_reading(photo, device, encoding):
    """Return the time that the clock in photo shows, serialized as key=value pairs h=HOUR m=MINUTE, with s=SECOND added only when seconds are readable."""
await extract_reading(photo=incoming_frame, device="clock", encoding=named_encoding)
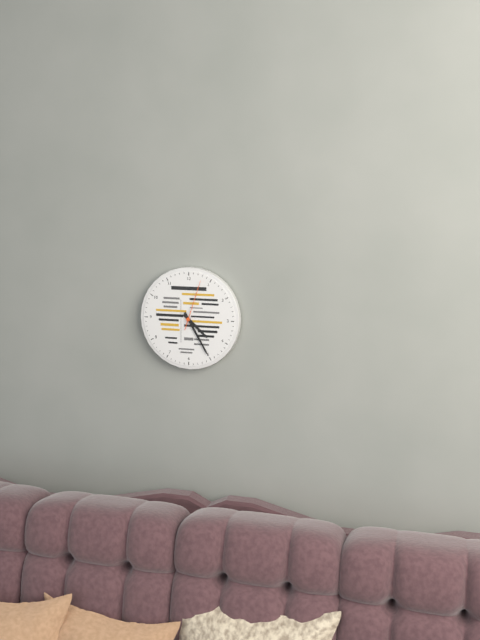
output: h=4 m=25 s=3
